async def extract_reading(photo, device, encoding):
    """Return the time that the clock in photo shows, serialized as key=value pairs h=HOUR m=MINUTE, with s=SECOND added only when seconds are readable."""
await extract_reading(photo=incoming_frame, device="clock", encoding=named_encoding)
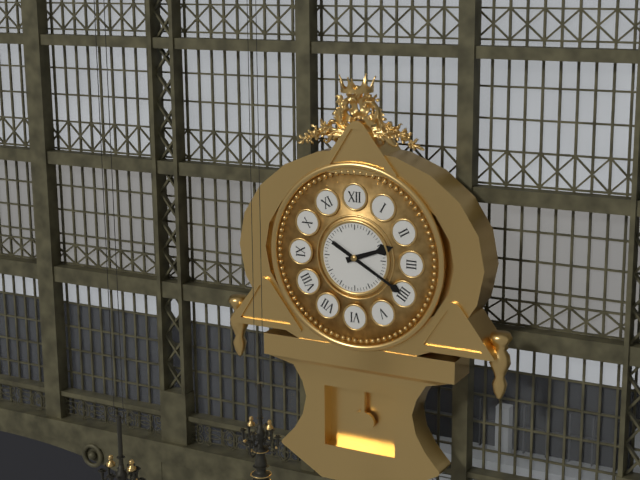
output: h=2 m=20
